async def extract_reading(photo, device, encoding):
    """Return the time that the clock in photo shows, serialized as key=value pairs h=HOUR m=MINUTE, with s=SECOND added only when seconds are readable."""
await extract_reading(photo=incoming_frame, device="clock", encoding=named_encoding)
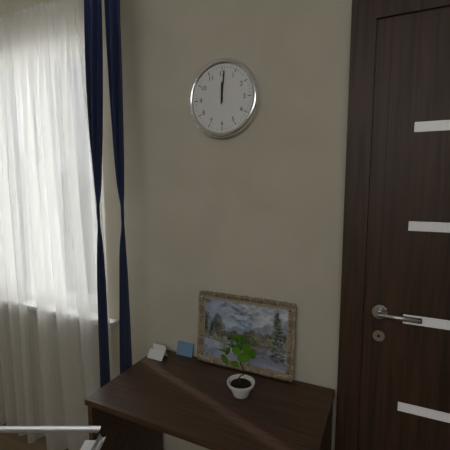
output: h=12 m=1
